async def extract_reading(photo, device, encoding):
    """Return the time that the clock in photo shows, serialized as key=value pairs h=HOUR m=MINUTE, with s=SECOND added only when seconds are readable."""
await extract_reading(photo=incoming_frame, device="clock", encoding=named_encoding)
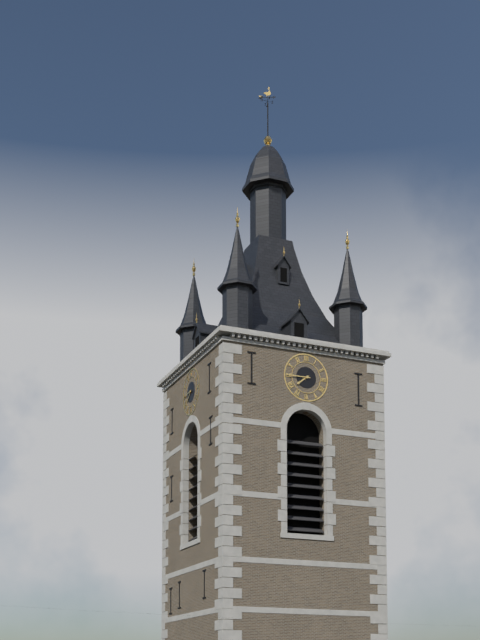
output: h=7 m=45
